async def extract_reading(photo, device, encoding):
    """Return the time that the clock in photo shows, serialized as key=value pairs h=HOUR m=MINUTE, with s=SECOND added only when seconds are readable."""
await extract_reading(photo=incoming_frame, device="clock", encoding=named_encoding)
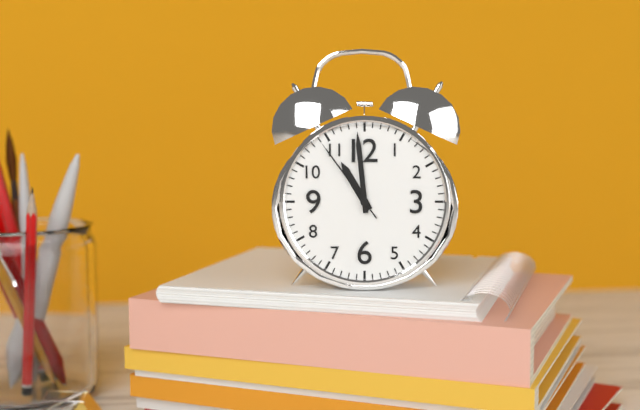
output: h=10 m=59 s=54
